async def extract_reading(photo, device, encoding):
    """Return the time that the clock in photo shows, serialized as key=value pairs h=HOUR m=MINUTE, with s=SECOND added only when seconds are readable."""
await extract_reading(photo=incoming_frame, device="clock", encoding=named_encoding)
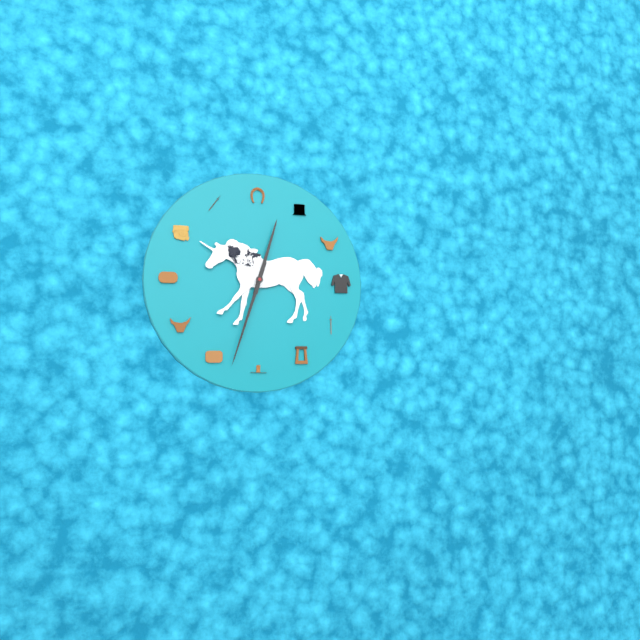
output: h=12 m=33
